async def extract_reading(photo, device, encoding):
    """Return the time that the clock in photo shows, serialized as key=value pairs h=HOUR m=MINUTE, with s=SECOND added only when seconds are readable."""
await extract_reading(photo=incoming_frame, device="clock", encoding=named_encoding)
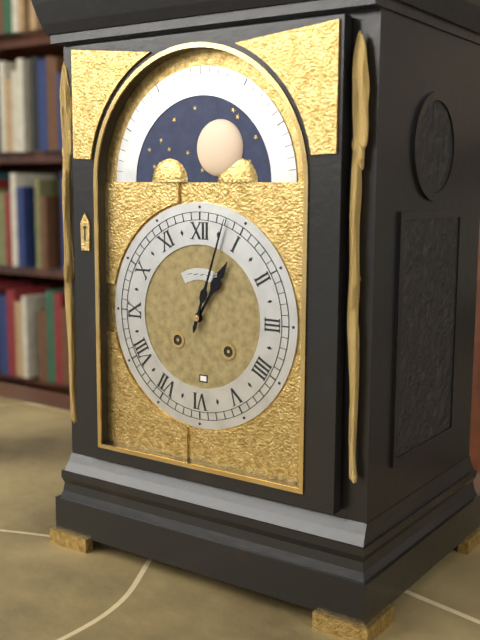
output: h=1 m=3
